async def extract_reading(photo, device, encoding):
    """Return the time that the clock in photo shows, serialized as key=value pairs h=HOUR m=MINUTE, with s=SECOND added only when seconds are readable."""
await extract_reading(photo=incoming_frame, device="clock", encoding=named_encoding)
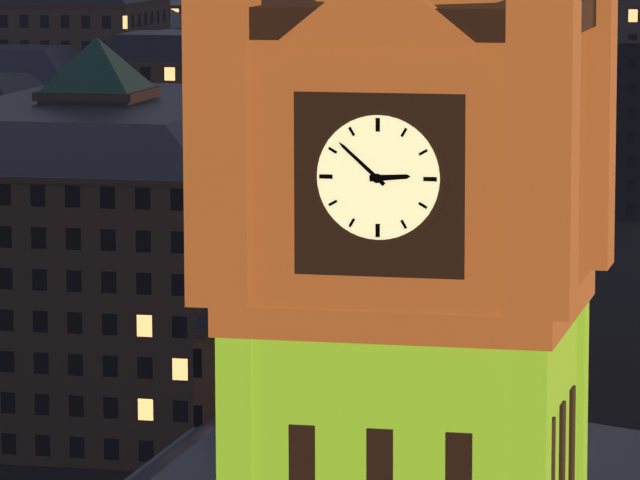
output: h=2 m=52
